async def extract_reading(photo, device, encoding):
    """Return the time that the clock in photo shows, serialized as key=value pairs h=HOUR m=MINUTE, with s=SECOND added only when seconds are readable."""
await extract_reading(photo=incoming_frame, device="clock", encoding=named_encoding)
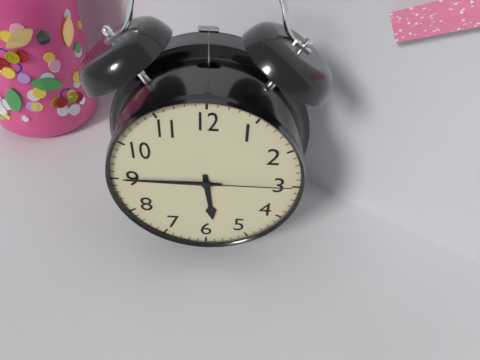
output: h=5 m=45 s=15
